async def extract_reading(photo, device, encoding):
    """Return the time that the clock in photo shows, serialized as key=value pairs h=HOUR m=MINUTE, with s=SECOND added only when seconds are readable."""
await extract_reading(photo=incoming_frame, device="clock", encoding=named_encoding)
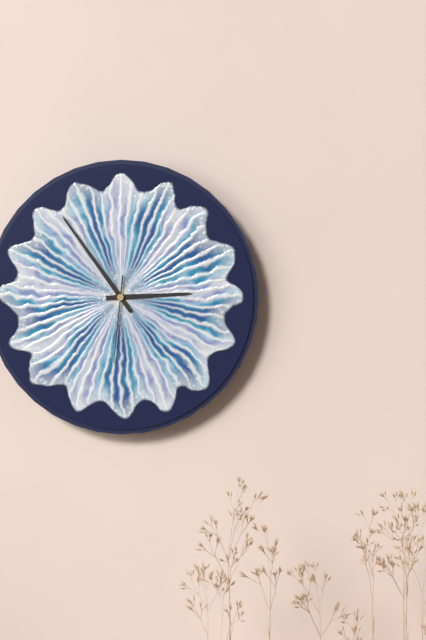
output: h=2 m=54 s=31
